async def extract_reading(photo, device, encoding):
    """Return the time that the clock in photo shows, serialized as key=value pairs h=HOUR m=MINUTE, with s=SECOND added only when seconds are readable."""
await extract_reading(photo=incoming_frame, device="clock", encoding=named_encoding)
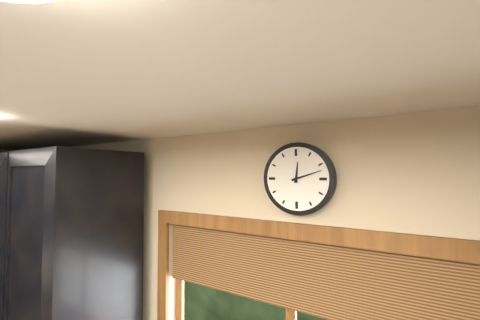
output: h=12 m=12
